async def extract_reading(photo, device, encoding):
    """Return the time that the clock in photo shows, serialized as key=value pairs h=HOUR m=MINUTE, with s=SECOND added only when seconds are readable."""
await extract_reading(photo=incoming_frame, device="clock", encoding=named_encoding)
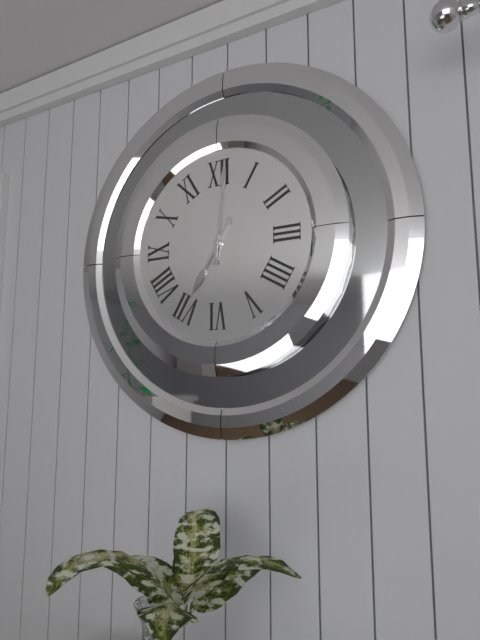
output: h=7 m=1
